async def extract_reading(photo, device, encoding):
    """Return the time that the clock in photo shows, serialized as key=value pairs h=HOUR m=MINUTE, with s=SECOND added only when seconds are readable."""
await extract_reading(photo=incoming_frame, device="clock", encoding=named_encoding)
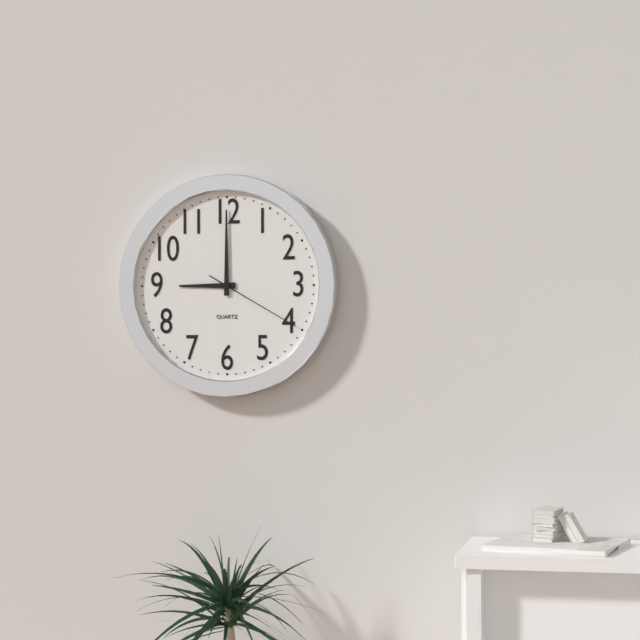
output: h=9 m=0 s=20
